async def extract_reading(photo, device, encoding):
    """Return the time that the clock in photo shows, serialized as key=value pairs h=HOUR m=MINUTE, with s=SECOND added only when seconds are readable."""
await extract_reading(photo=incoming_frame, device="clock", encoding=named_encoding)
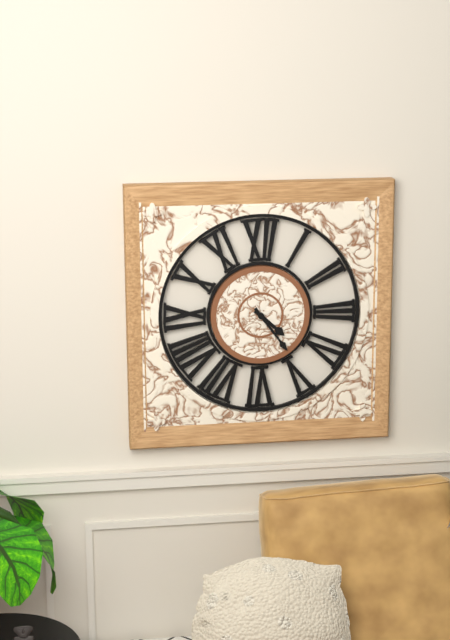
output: h=4 m=24
